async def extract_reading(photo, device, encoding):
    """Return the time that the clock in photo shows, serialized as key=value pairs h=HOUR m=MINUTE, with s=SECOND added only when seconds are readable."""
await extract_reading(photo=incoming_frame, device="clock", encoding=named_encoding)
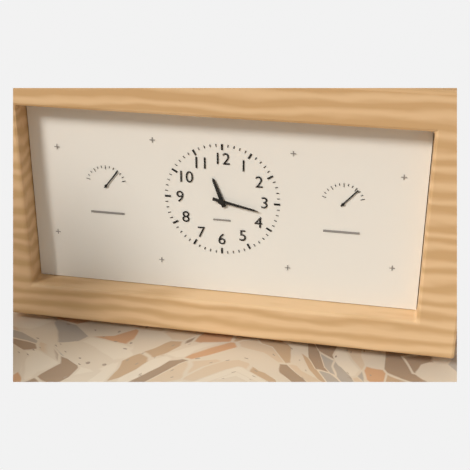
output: h=11 m=17
